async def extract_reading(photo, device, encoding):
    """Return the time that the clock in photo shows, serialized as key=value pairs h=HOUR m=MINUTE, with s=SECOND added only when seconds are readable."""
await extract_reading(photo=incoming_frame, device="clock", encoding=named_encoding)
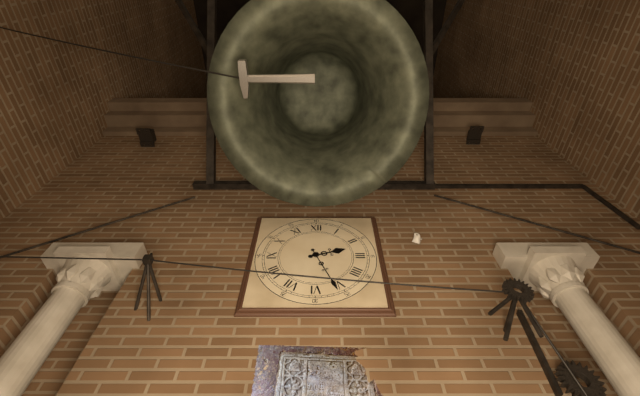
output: h=2 m=26
